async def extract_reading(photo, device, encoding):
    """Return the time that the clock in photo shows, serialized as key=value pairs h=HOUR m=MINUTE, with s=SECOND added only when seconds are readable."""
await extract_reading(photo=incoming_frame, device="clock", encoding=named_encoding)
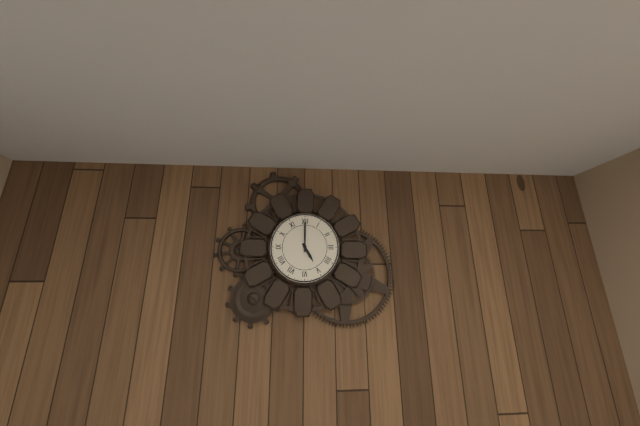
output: h=5 m=0
